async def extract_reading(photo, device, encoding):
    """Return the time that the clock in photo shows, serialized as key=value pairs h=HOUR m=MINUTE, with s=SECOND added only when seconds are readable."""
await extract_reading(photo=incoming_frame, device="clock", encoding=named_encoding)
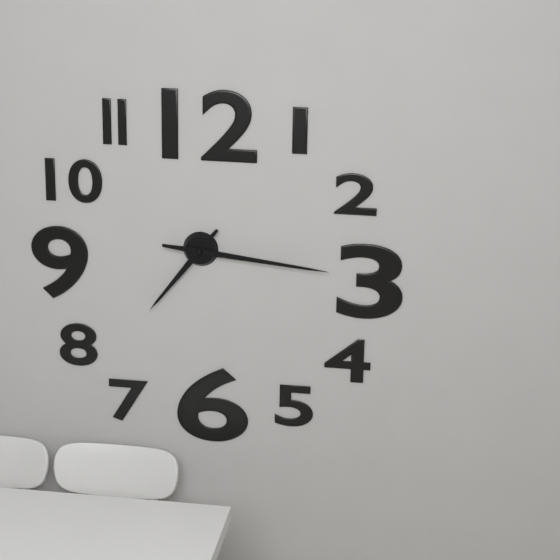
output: h=7 m=16
